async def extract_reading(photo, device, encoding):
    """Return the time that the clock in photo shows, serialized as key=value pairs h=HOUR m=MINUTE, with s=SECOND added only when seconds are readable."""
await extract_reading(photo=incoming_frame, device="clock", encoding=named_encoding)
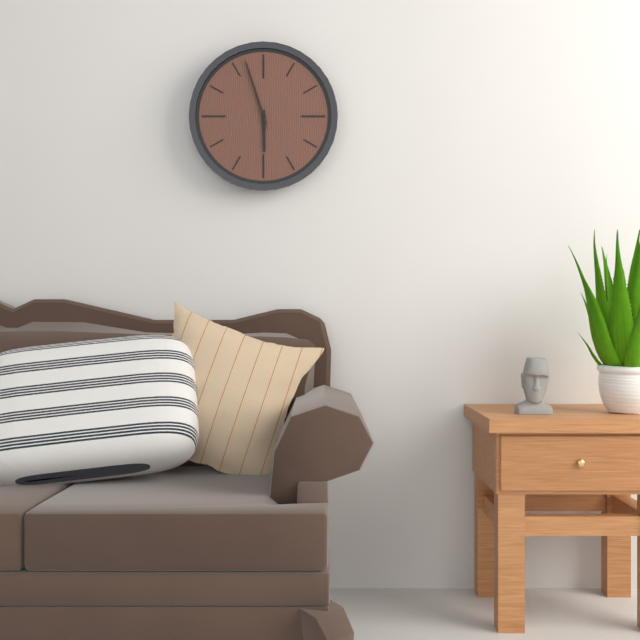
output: h=5 m=57 s=57
